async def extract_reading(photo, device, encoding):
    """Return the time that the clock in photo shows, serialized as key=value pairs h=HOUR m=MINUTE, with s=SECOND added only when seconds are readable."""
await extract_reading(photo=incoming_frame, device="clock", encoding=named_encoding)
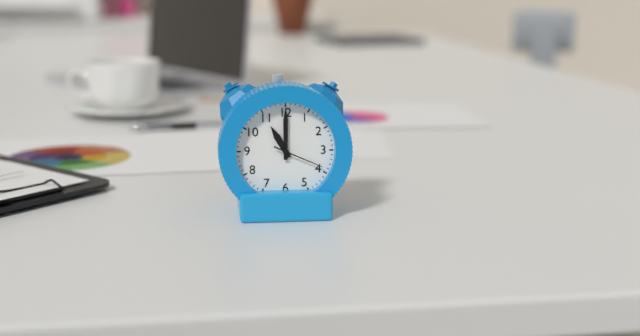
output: h=11 m=0 s=19
